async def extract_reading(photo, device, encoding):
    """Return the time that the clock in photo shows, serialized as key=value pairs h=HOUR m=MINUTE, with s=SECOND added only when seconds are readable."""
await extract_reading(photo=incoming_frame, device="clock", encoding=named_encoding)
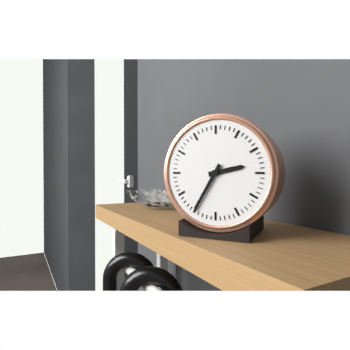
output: h=2 m=35
